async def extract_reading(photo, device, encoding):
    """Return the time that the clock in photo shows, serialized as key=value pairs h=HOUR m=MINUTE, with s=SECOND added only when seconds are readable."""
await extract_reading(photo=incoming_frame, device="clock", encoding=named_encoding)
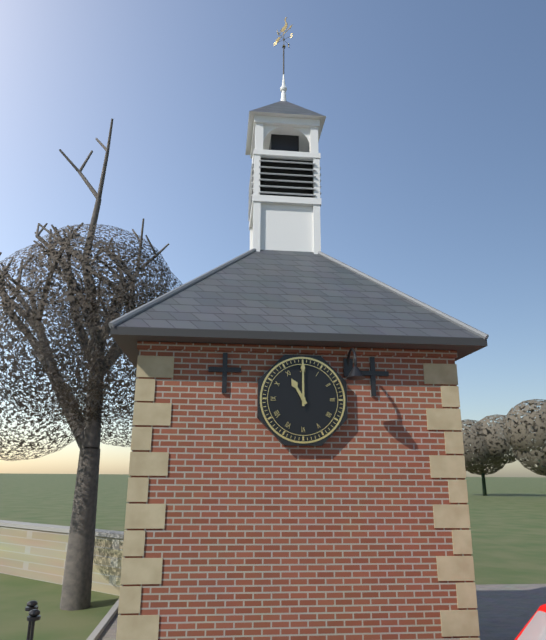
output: h=11 m=0
